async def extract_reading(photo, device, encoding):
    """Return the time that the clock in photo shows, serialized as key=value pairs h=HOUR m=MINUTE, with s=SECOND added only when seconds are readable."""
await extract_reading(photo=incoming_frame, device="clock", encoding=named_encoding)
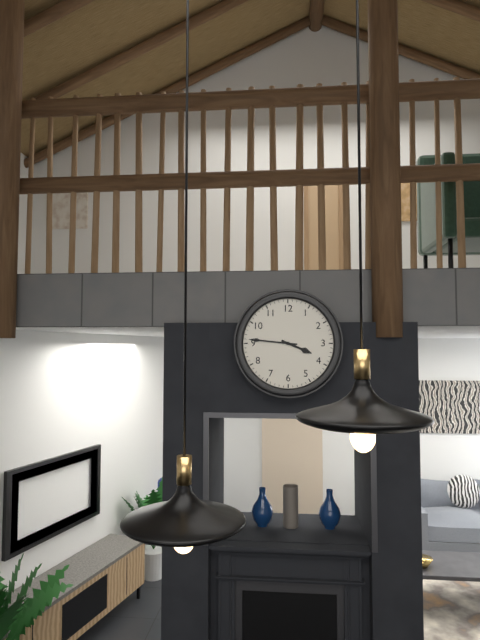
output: h=3 m=46
